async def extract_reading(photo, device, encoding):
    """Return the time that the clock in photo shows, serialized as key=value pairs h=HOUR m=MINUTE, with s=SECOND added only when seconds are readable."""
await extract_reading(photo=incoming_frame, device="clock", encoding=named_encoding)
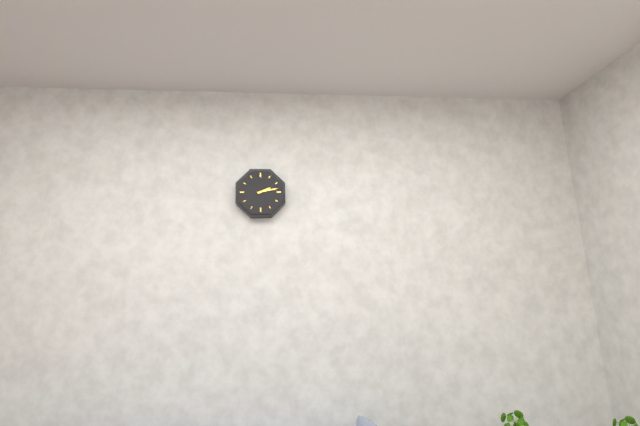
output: h=2 m=13
